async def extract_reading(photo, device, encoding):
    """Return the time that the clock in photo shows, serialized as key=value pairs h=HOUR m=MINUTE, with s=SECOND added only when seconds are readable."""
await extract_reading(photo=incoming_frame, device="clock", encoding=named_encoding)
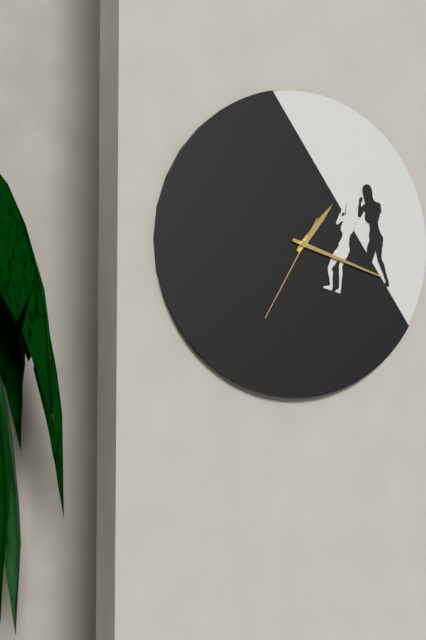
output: h=1 m=18 s=35
